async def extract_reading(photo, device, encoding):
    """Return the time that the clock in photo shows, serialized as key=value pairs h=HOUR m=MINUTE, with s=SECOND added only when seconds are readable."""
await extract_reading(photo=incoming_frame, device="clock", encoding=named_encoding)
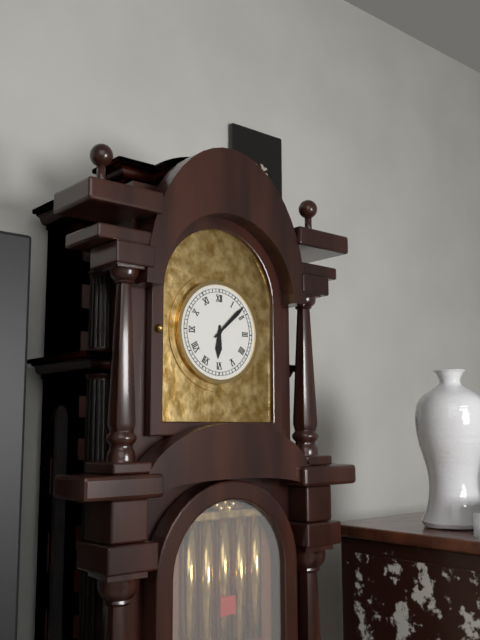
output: h=6 m=8
